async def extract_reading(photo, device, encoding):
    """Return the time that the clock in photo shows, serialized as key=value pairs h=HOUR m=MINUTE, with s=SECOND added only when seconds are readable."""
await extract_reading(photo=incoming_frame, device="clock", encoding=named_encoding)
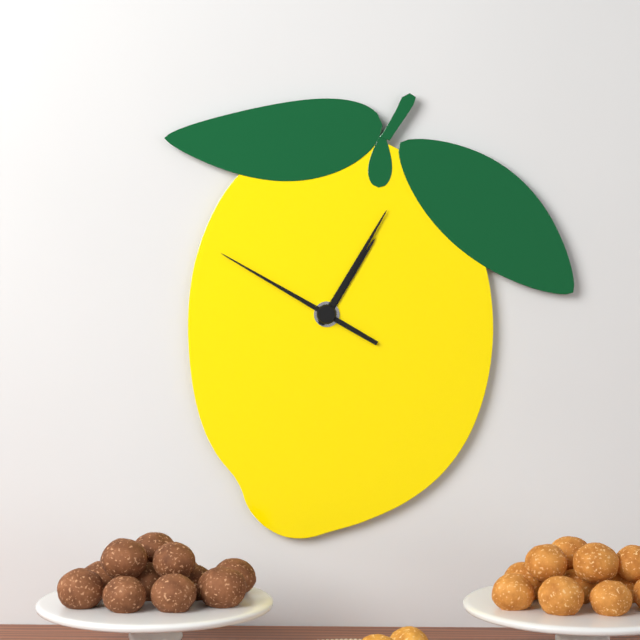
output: h=1 m=5 s=50
